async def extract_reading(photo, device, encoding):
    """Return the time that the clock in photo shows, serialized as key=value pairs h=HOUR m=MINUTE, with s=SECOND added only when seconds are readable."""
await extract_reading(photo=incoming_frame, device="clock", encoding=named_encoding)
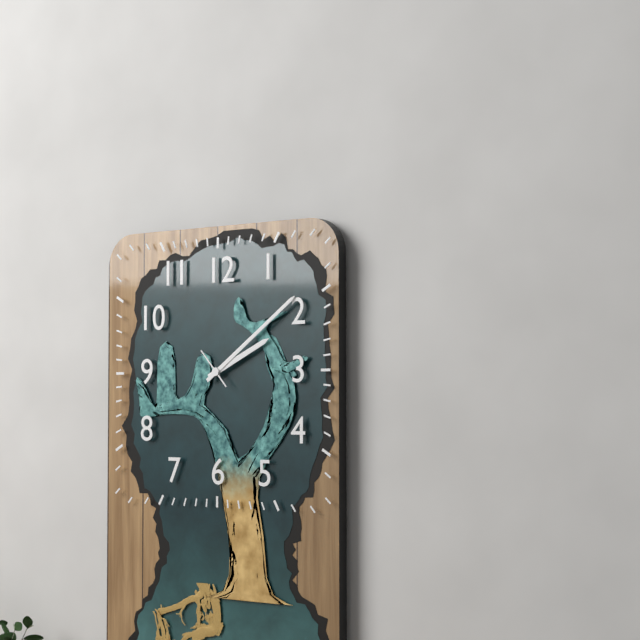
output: h=2 m=9 s=53
